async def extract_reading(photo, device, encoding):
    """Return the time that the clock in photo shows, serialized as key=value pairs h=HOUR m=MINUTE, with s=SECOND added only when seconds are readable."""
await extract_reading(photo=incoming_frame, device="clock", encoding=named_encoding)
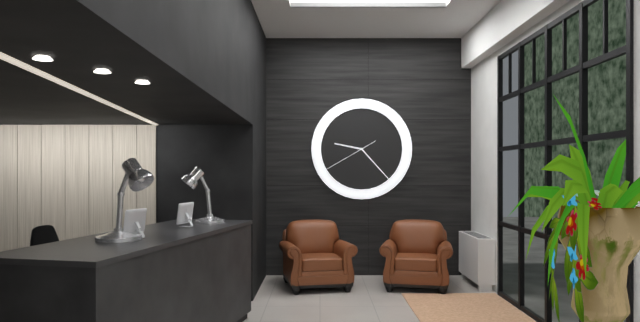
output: h=9 m=23 s=40
